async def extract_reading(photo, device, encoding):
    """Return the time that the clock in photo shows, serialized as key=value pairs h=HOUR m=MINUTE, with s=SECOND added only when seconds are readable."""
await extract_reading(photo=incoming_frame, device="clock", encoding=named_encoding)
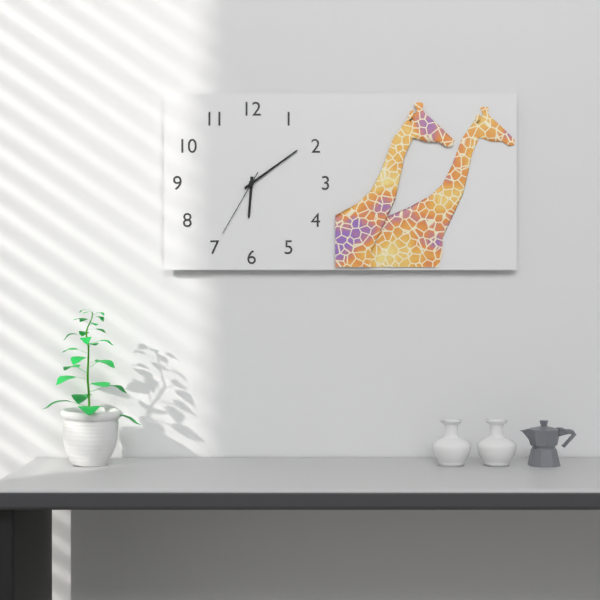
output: h=6 m=9 s=35
